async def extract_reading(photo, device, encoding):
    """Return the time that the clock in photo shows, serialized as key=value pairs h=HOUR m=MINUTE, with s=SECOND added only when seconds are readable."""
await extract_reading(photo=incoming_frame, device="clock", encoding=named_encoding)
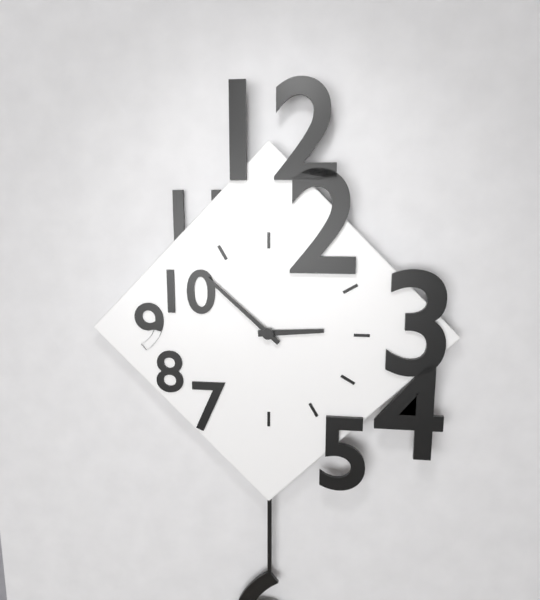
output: h=2 m=52
